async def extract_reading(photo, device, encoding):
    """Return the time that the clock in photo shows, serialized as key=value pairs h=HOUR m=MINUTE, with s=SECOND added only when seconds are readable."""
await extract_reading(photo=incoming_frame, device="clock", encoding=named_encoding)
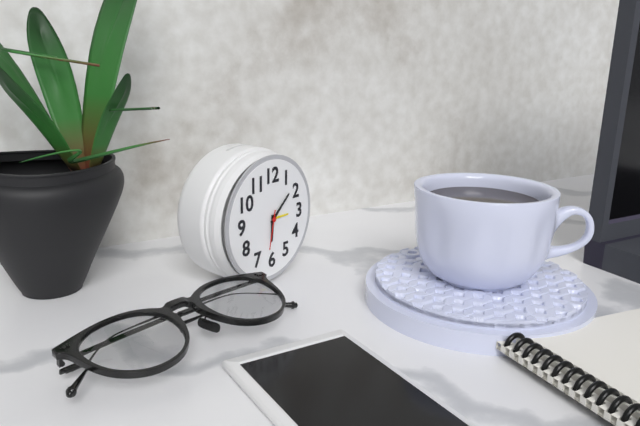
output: h=6 m=8
